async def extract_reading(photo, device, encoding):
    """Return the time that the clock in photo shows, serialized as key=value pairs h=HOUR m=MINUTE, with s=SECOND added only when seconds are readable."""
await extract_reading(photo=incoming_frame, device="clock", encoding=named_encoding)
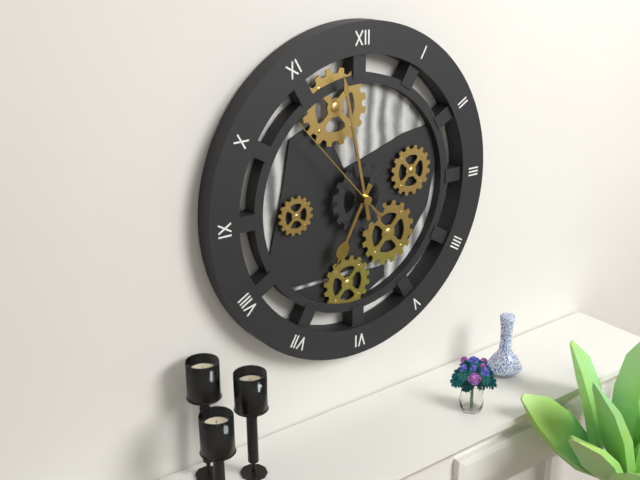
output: h=6 m=58 s=53
